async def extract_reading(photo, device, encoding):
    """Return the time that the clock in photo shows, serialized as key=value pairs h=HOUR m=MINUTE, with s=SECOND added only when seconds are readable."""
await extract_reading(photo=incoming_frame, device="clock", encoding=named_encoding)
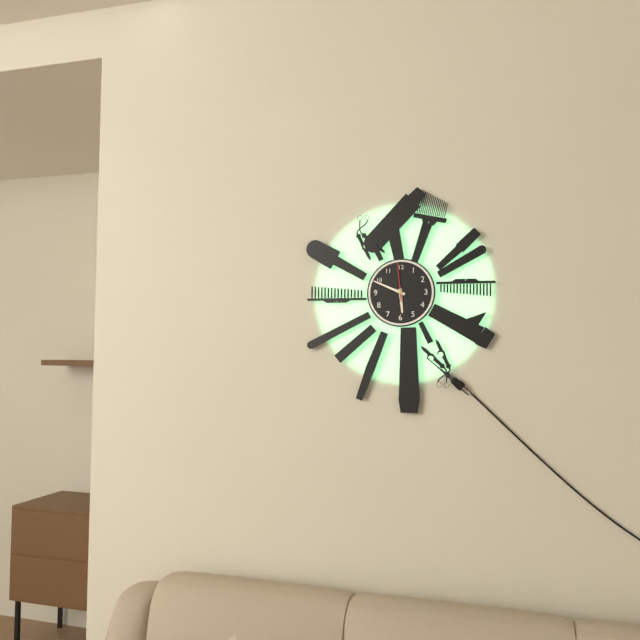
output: h=5 m=49
